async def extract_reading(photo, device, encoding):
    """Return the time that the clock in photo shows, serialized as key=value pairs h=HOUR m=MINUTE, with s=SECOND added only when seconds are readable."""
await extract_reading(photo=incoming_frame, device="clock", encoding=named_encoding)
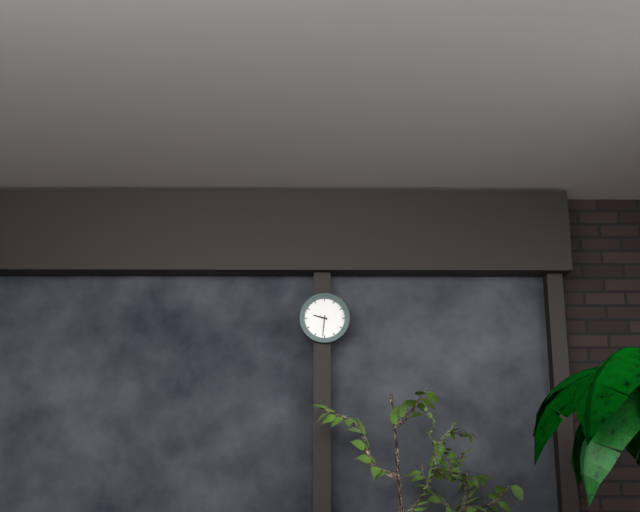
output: h=9 m=31
